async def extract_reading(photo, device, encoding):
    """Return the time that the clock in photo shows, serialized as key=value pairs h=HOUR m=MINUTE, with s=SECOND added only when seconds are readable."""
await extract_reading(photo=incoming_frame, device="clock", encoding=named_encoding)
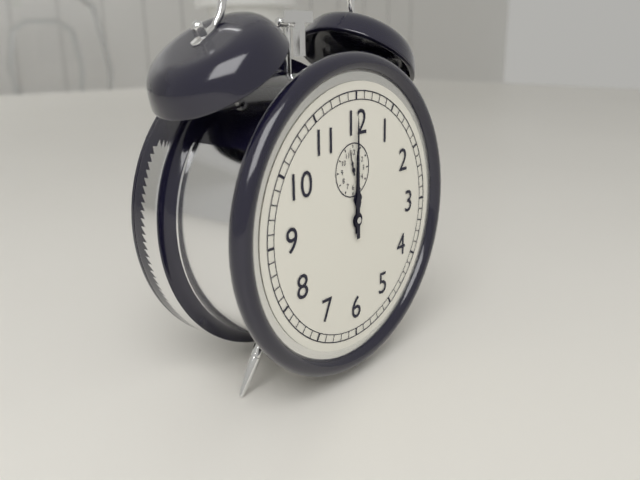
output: h=12 m=0
